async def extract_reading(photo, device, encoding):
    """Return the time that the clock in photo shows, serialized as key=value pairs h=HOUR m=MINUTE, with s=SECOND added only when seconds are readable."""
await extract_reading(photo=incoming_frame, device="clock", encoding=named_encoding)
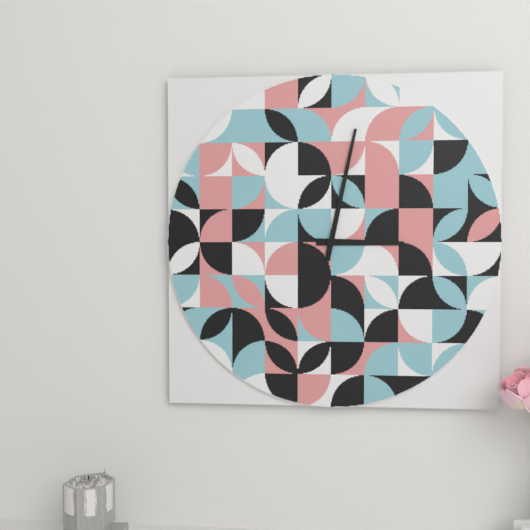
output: h=3 m=2
